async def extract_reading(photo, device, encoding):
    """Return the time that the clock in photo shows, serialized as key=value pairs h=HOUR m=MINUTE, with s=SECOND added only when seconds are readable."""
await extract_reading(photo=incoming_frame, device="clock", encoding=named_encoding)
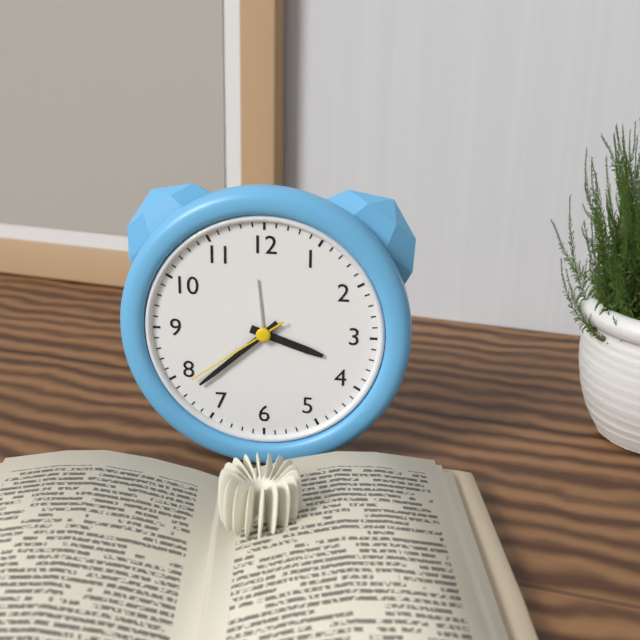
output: h=3 m=38 s=39
